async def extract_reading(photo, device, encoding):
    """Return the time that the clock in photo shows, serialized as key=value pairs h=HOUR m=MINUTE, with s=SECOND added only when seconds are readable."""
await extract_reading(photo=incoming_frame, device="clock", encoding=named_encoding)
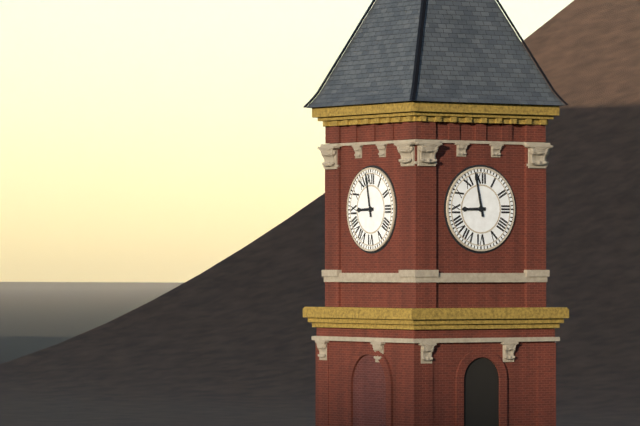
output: h=8 m=58
